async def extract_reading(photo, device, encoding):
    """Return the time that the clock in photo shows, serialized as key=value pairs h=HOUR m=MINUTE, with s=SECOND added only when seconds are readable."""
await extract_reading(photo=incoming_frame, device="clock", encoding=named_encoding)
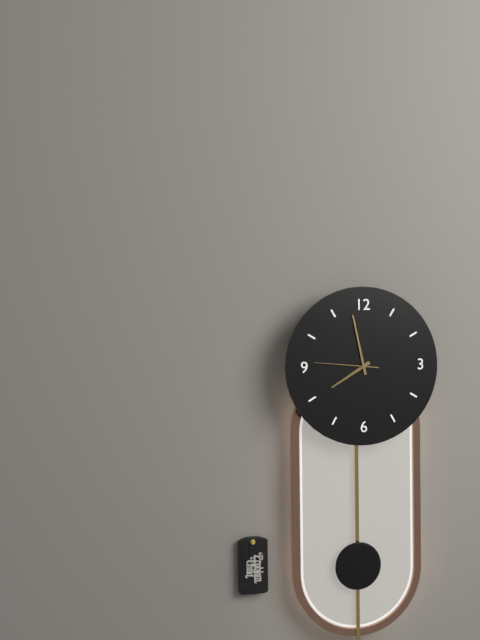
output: h=7 m=58 s=46
